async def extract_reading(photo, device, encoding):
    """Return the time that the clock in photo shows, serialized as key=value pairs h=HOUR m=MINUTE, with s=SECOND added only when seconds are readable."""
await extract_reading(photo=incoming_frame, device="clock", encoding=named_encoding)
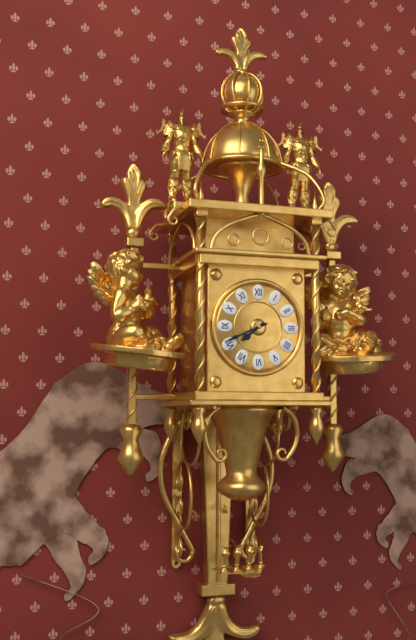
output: h=7 m=41
